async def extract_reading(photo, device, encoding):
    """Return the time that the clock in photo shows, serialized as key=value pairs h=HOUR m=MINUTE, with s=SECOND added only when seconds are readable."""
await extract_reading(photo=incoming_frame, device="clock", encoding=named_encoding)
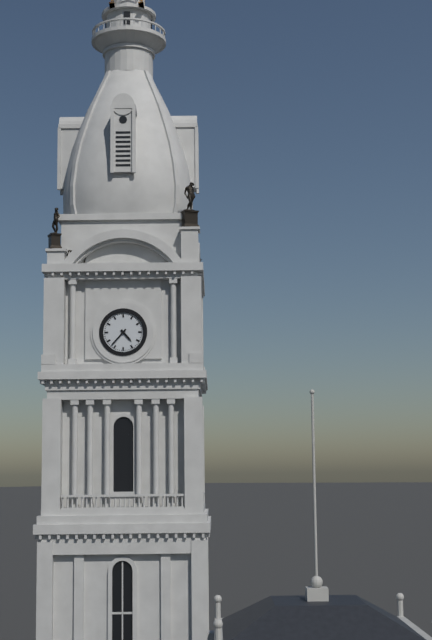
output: h=4 m=37
